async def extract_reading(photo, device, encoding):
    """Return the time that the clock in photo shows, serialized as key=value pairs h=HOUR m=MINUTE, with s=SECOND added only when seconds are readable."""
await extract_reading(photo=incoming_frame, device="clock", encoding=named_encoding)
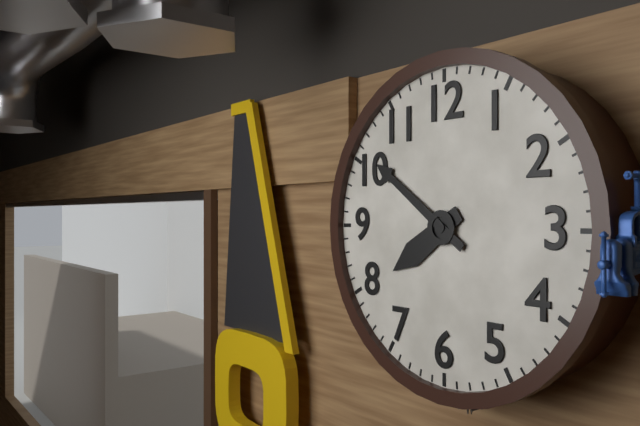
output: h=7 m=51
